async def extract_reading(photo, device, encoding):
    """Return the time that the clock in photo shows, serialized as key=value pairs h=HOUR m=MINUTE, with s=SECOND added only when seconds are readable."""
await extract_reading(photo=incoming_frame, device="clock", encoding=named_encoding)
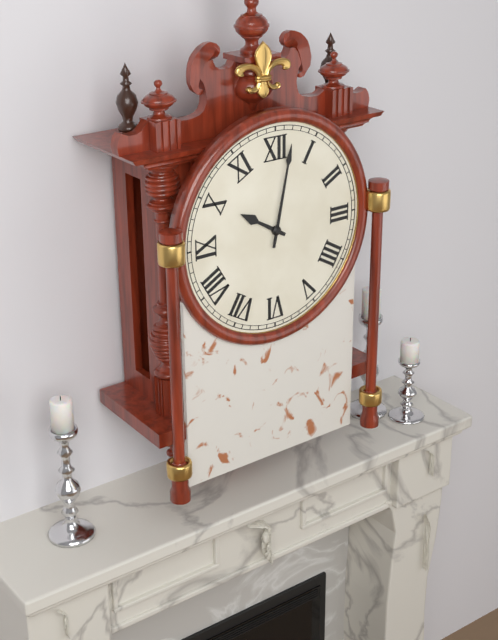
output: h=10 m=2
